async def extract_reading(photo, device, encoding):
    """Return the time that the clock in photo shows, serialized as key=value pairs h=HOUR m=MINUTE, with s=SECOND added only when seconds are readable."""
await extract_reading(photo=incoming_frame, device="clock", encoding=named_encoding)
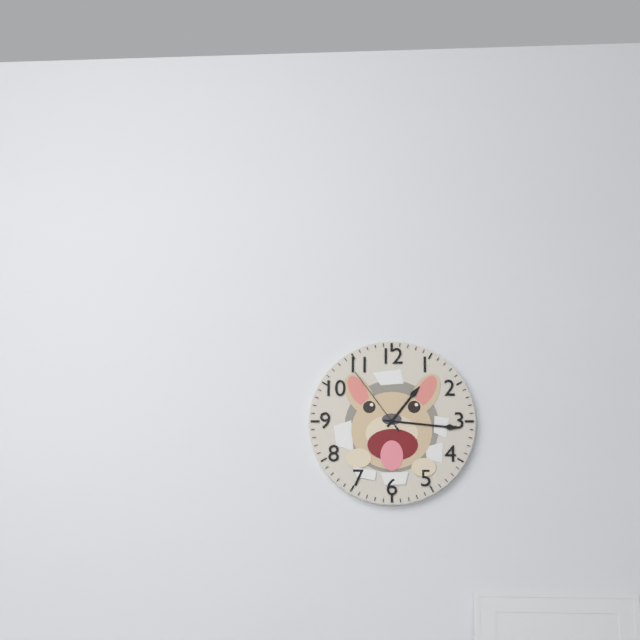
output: h=1 m=16 s=54
